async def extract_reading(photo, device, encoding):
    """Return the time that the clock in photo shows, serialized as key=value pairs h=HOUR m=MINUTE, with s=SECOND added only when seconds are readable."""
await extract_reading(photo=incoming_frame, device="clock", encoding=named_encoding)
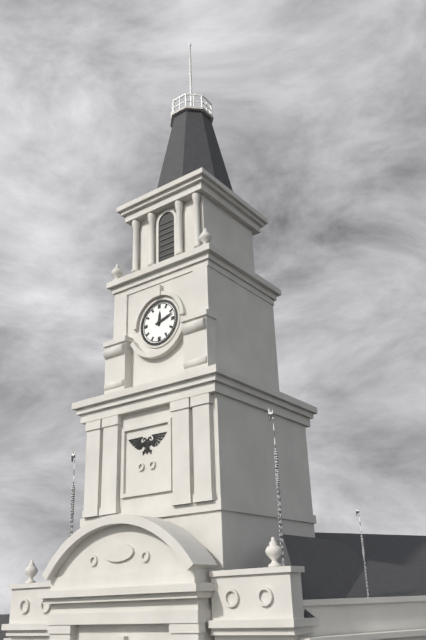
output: h=12 m=12
